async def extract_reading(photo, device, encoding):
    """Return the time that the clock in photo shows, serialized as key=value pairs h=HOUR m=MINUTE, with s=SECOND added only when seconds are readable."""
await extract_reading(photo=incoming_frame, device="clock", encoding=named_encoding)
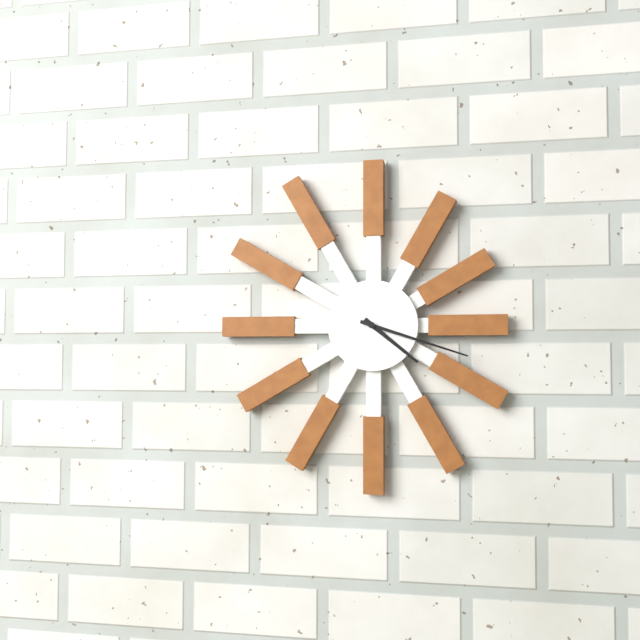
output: h=4 m=18
